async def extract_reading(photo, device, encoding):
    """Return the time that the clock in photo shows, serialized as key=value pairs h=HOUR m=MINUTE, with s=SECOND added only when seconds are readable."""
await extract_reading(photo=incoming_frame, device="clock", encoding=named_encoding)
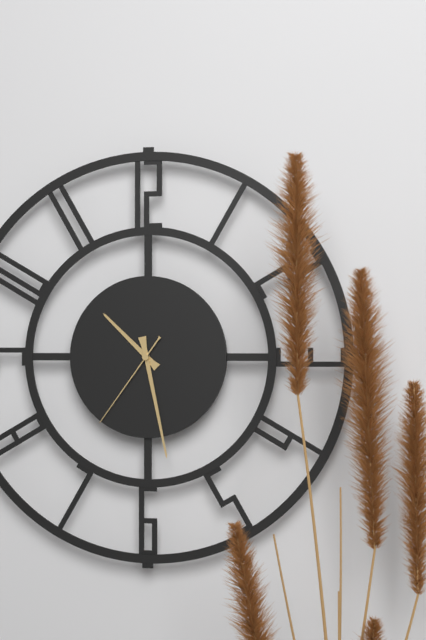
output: h=10 m=28 s=36
